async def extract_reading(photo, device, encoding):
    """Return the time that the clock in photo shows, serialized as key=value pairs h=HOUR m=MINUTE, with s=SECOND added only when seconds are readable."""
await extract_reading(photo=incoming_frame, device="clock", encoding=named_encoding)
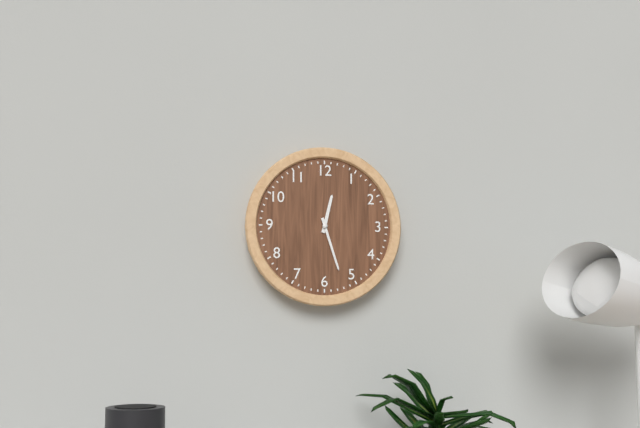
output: h=12 m=27
